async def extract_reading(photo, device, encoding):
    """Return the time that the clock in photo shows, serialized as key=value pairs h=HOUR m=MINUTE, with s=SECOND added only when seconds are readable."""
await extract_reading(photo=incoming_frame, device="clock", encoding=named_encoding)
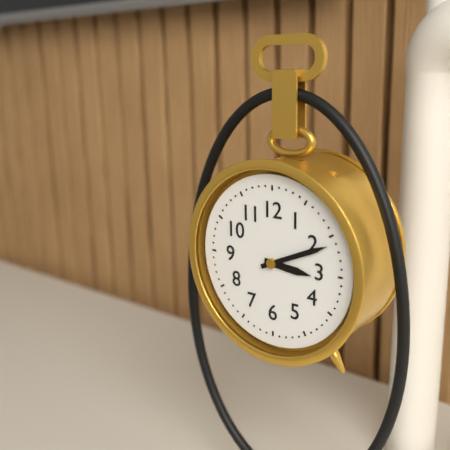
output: h=3 m=11
